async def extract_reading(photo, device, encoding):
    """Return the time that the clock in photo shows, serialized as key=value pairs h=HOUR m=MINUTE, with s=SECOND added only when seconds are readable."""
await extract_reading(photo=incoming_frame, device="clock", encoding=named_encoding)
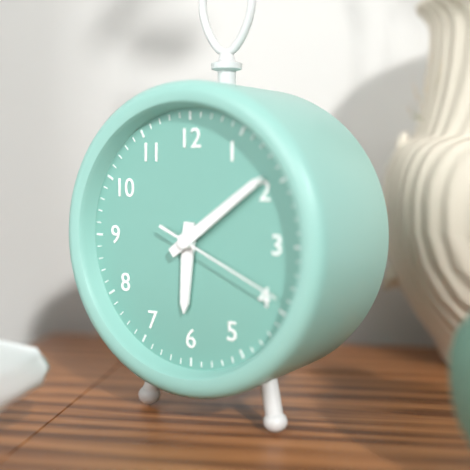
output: h=6 m=9 s=19
